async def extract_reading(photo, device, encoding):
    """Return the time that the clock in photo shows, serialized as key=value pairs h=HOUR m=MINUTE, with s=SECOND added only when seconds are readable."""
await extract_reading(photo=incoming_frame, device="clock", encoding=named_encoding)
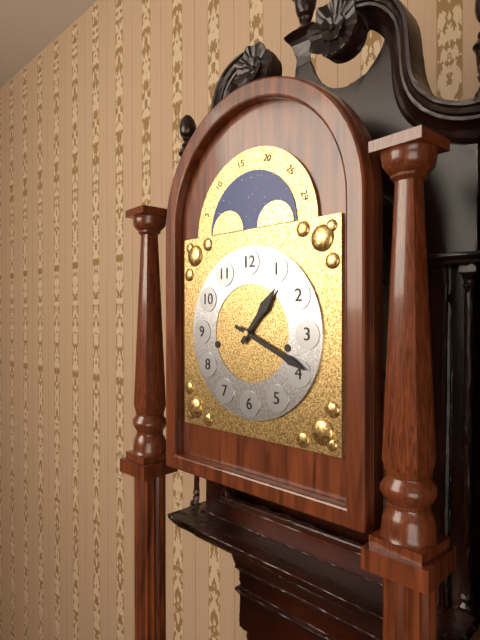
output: h=1 m=19
